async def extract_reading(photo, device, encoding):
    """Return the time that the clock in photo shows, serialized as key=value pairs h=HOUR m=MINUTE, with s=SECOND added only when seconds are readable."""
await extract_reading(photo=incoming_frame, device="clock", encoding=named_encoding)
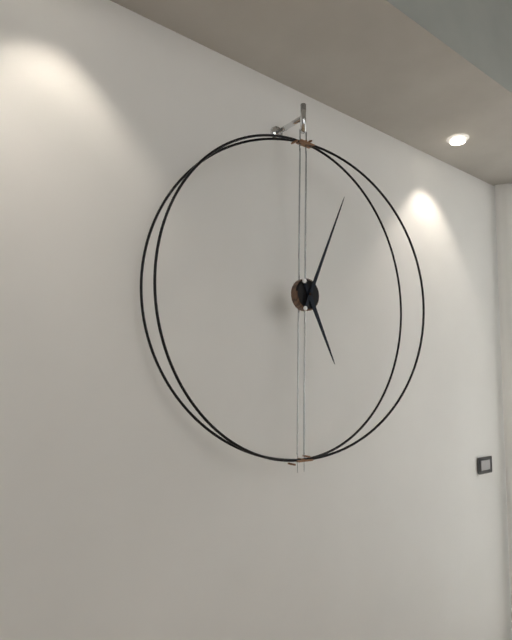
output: h=5 m=4
